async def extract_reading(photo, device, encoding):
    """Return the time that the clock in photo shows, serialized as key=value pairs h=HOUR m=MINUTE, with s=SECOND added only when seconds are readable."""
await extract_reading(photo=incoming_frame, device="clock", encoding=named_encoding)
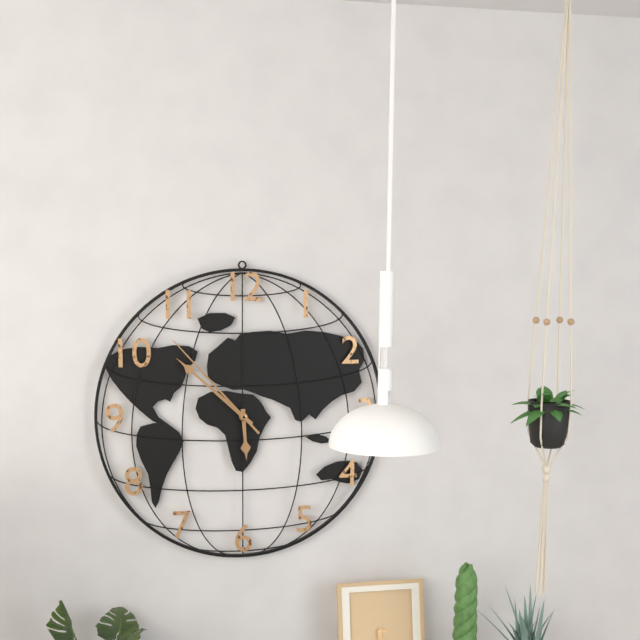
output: h=5 m=52 s=53
